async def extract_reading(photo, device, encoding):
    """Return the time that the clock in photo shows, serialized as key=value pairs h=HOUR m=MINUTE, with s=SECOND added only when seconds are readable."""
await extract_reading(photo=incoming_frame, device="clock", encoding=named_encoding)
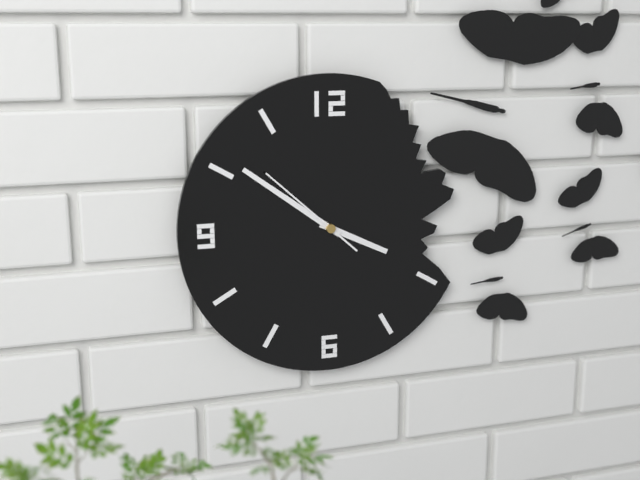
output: h=3 m=51 s=52
